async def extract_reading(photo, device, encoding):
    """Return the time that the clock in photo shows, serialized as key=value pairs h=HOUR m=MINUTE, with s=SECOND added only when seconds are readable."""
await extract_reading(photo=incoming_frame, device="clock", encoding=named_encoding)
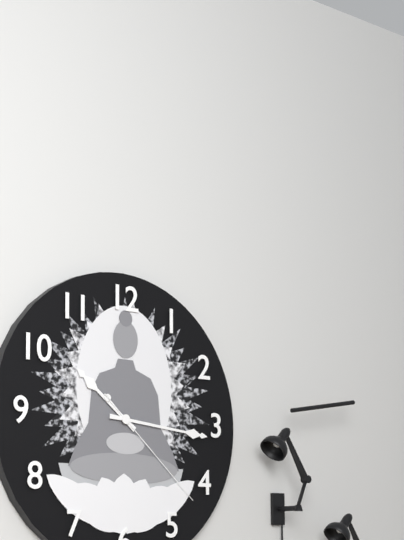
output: h=10 m=16 s=22
